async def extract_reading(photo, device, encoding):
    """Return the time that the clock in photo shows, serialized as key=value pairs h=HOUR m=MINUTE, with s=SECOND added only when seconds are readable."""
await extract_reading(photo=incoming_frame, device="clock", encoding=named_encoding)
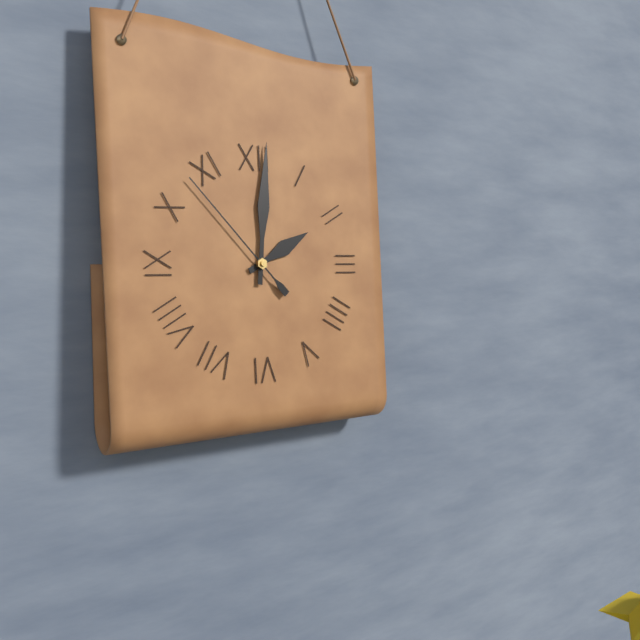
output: h=2 m=1 s=53
